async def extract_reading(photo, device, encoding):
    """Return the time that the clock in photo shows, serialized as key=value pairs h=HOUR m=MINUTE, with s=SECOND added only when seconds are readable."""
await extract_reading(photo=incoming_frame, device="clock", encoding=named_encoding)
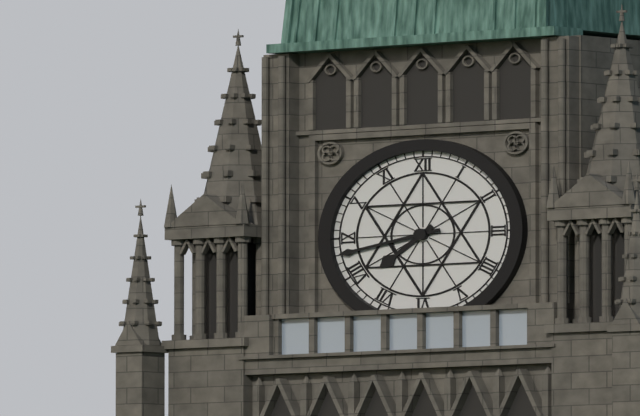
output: h=7 m=43
